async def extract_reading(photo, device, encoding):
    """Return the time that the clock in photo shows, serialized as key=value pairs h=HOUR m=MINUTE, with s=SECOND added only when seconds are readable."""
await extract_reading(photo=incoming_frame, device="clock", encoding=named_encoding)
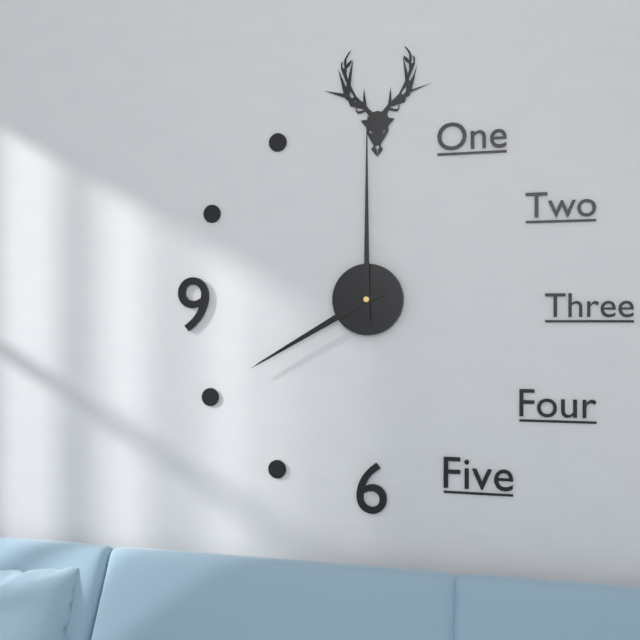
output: h=8 m=0
